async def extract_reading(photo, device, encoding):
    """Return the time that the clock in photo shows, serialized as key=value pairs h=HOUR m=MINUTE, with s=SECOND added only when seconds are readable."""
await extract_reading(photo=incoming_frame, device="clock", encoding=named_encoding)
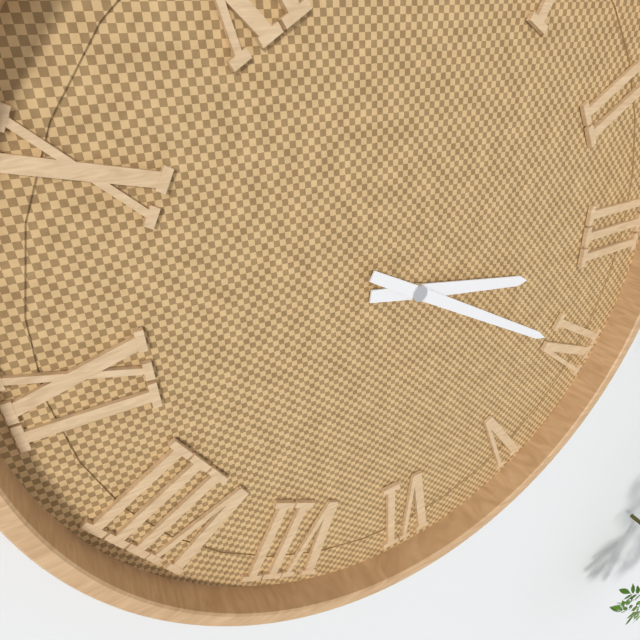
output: h=3 m=20
